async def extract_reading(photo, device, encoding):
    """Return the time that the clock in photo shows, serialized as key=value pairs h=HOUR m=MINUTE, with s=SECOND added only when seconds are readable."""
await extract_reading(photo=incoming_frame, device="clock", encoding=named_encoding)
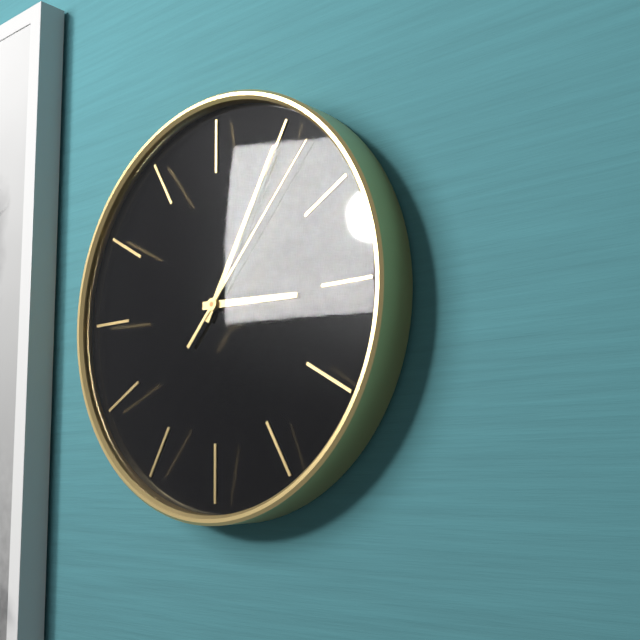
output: h=3 m=5 s=7
